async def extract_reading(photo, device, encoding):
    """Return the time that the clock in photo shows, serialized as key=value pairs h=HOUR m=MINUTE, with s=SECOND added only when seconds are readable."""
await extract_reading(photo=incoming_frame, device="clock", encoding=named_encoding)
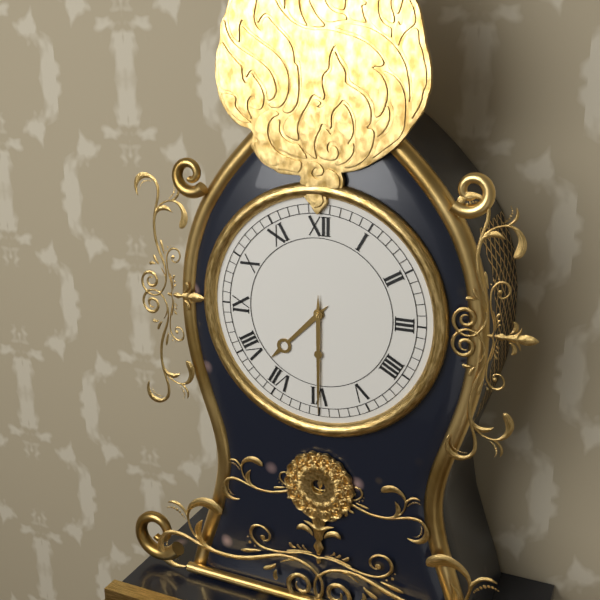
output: h=7 m=30
